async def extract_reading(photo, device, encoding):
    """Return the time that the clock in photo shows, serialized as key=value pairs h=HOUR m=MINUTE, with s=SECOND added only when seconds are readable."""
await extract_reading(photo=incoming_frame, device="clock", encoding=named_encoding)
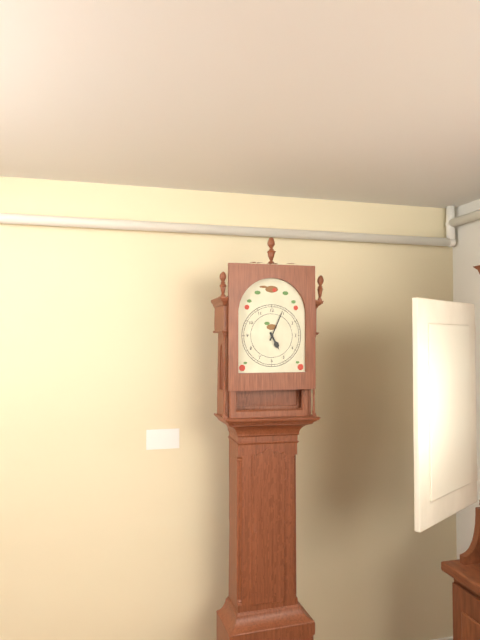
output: h=5 m=4
